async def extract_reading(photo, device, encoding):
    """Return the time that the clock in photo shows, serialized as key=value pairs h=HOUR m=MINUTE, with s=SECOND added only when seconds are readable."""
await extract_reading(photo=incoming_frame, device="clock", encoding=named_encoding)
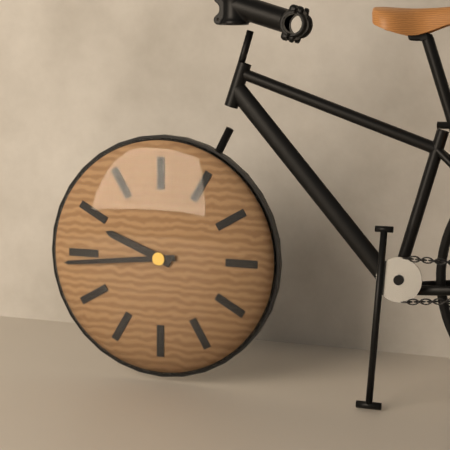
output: h=9 m=44
